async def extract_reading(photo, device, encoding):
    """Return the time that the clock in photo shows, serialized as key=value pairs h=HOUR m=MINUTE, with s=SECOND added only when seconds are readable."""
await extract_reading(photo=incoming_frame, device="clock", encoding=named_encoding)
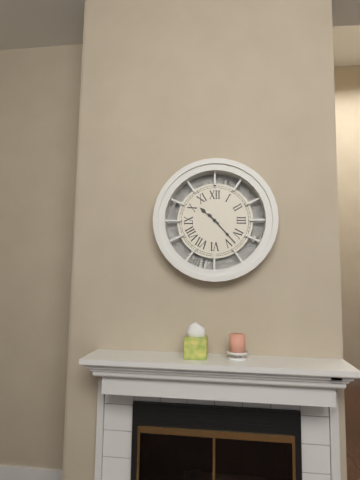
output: h=10 m=23
